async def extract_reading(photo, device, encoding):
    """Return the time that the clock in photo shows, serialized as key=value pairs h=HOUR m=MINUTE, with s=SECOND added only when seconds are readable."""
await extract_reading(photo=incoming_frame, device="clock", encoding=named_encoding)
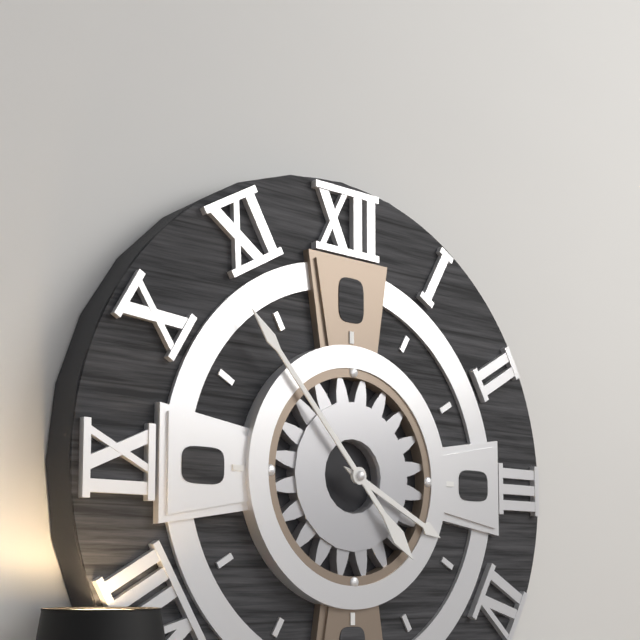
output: h=3 m=53
